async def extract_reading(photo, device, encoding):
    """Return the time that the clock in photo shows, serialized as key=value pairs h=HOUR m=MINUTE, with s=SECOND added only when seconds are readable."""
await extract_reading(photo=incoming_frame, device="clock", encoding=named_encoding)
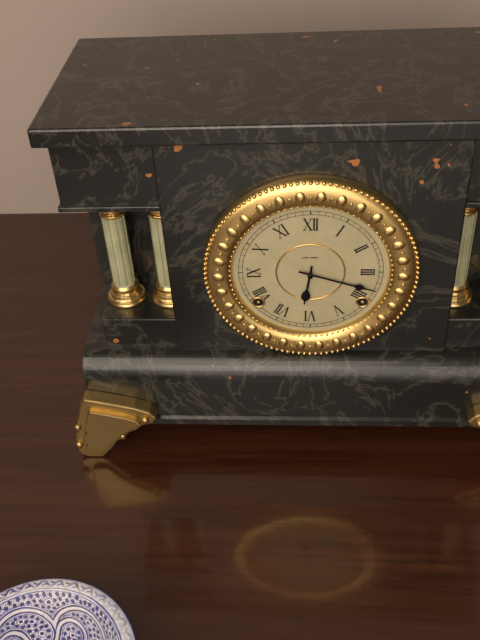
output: h=6 m=18
